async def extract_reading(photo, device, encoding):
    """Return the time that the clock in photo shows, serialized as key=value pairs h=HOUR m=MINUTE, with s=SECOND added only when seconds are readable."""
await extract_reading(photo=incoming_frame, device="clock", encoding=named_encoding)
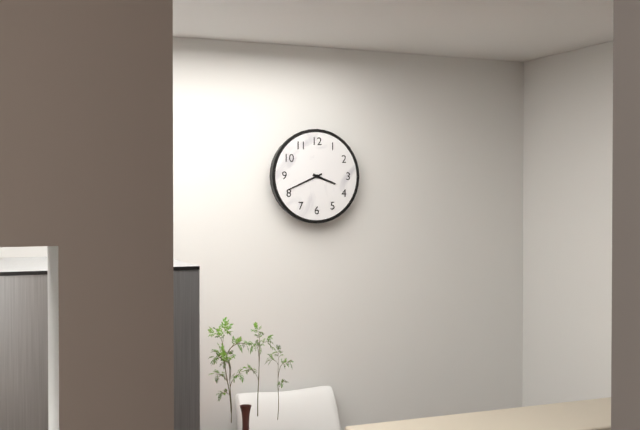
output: h=3 m=41
